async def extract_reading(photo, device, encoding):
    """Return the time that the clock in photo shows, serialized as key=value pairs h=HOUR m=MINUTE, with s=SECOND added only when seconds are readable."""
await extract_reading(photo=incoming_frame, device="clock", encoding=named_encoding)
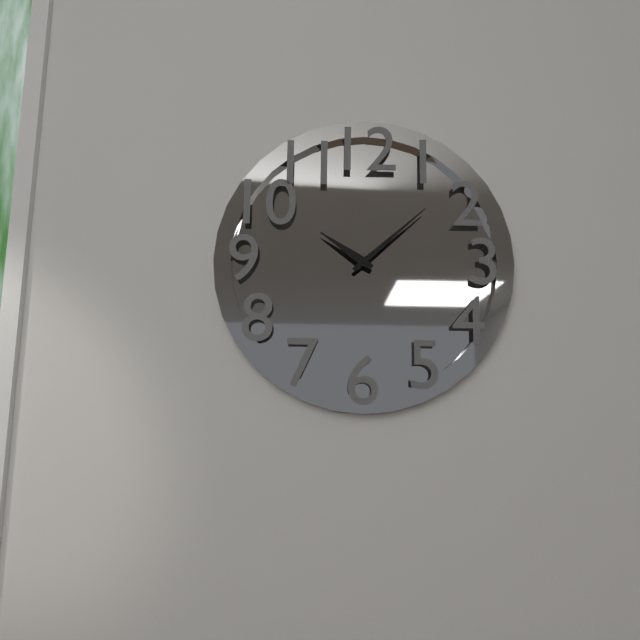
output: h=10 m=8
